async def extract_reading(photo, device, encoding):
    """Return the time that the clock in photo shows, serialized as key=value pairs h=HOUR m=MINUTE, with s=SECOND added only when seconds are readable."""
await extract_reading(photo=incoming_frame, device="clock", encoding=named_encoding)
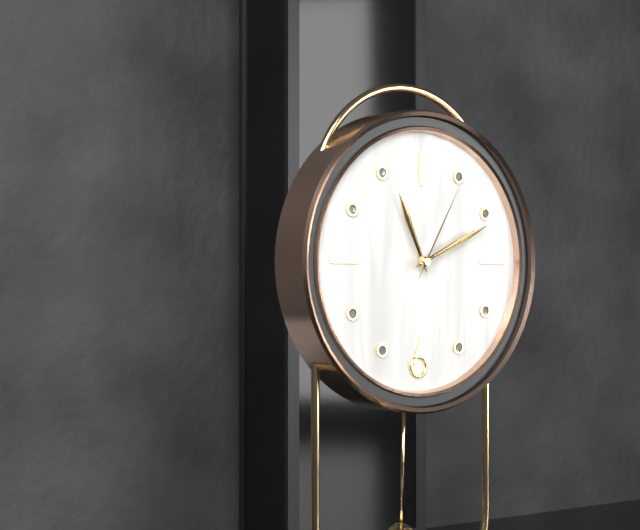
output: h=11 m=11 s=5
